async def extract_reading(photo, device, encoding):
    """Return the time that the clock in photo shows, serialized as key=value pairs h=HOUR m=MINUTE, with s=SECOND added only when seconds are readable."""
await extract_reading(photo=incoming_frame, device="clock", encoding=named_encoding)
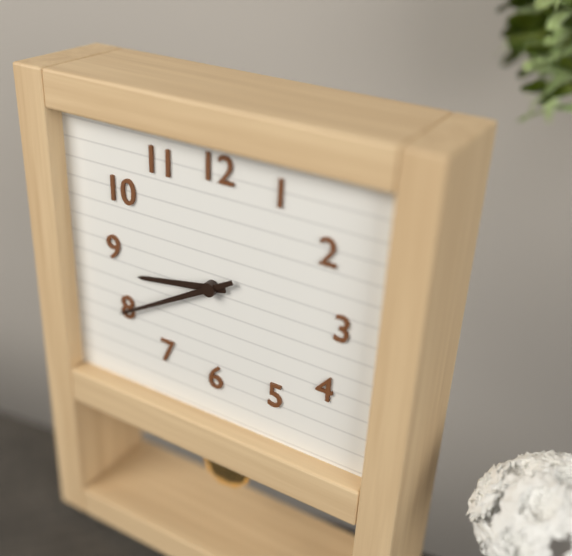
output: h=8 m=40
